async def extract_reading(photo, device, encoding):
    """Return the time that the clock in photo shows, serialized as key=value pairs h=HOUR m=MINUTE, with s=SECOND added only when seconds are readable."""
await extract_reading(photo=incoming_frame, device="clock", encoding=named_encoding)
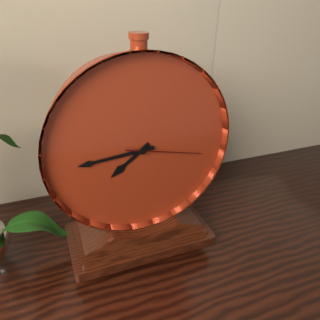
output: h=7 m=44 s=17
